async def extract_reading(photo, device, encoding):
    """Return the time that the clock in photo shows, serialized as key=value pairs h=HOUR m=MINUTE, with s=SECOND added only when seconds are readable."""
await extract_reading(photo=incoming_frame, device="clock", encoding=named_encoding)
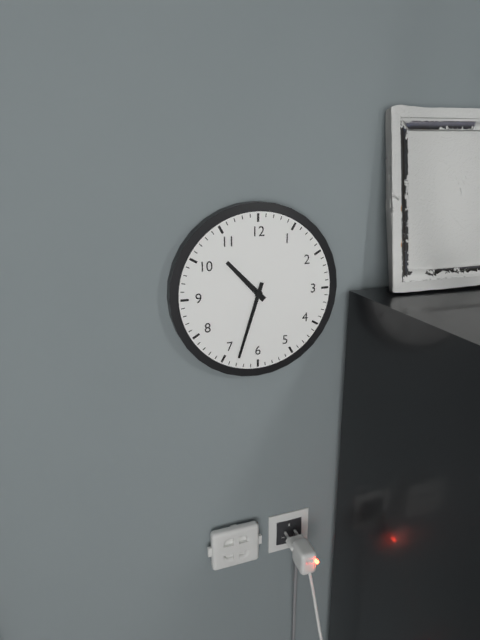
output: h=10 m=33
